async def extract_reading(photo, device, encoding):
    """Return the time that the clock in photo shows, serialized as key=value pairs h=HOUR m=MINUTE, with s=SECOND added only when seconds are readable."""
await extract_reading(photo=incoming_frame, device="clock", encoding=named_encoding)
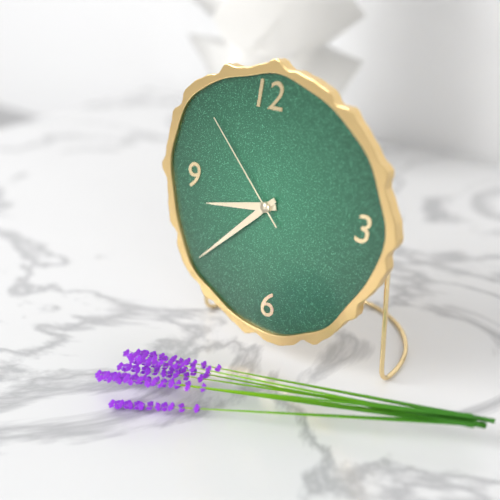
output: h=8 m=38 s=53
